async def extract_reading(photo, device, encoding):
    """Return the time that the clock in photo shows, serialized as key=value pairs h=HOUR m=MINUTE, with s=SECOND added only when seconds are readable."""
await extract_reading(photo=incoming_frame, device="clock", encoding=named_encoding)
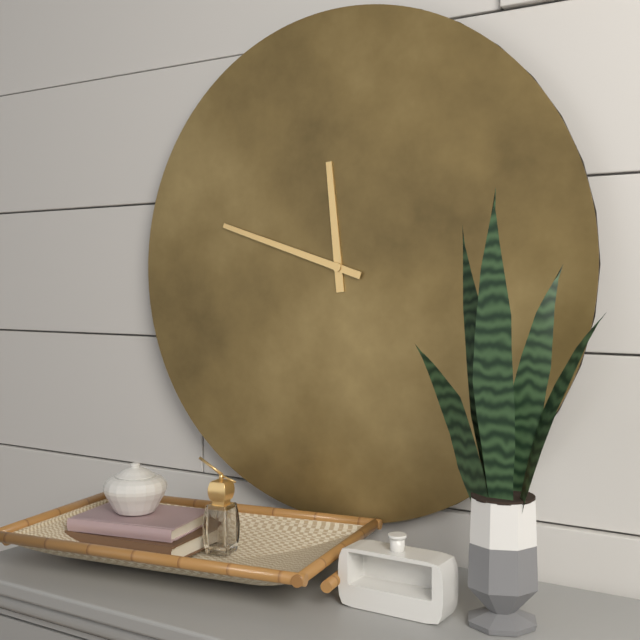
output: h=11 m=48
